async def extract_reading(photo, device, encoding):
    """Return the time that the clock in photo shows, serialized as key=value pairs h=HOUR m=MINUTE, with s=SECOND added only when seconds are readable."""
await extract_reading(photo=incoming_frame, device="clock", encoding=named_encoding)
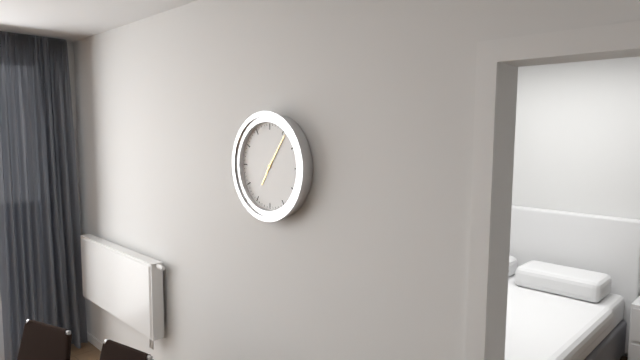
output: h=7 m=6
